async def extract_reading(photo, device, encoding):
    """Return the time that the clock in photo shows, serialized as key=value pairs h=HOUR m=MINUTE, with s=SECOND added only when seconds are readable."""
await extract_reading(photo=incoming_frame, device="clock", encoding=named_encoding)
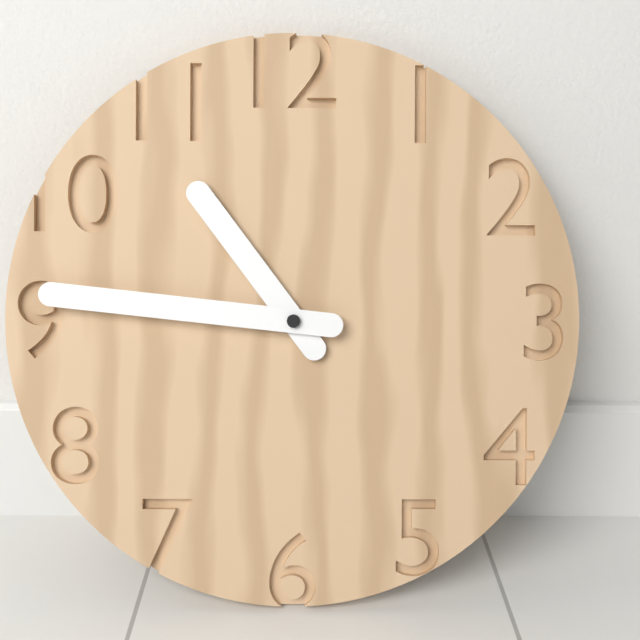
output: h=10 m=46
